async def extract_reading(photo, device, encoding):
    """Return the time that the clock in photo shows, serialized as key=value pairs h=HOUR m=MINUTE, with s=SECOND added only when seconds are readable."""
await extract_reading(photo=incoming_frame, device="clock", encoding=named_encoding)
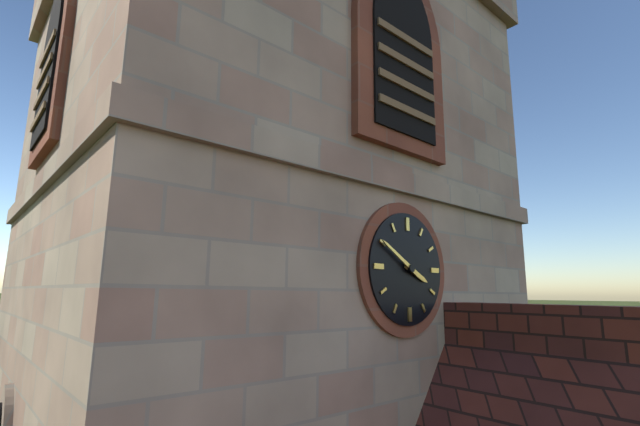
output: h=3 m=50
